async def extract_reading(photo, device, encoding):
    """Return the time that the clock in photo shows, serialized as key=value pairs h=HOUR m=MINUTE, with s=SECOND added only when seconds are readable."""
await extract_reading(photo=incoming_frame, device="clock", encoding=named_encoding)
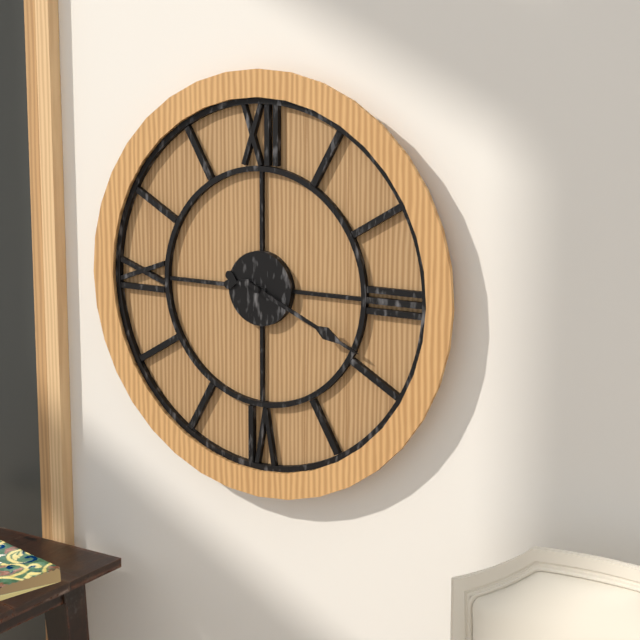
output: h=9 m=19
